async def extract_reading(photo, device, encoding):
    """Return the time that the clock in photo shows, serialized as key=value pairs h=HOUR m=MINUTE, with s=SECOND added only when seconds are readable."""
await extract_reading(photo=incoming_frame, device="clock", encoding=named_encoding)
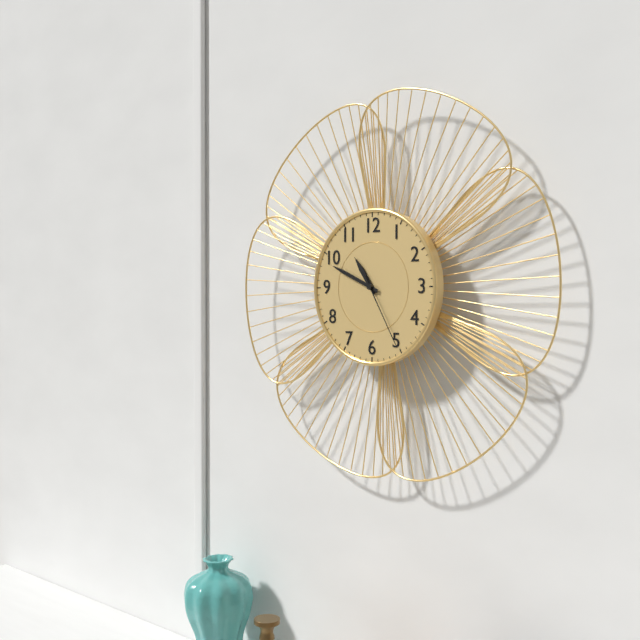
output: h=10 m=49 s=25
